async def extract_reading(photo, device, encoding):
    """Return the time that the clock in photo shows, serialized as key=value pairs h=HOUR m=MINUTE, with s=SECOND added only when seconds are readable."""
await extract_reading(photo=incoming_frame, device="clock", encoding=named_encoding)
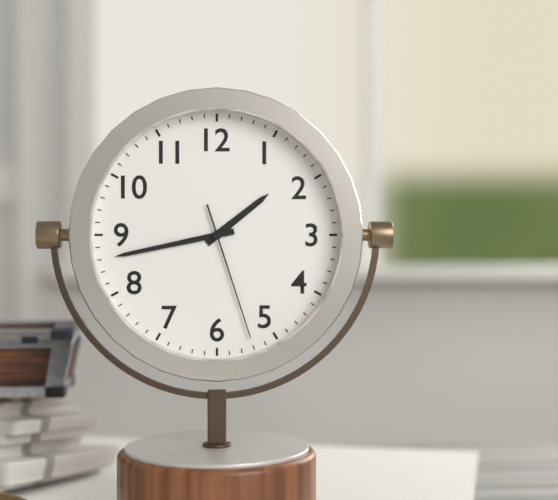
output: h=1 m=43 s=27
